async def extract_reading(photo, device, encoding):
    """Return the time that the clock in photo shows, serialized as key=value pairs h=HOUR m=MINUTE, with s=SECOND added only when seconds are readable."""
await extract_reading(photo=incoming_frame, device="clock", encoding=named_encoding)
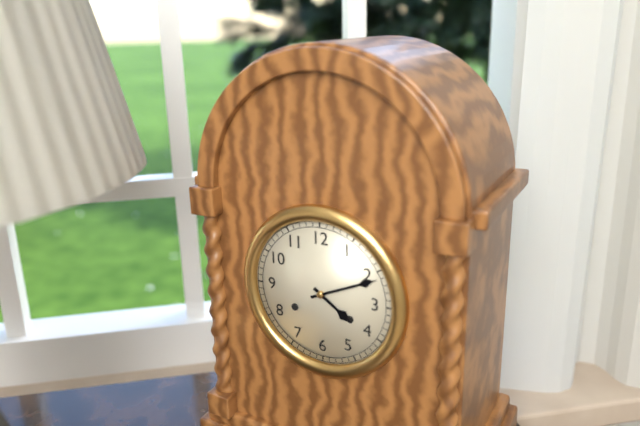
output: h=4 m=11
